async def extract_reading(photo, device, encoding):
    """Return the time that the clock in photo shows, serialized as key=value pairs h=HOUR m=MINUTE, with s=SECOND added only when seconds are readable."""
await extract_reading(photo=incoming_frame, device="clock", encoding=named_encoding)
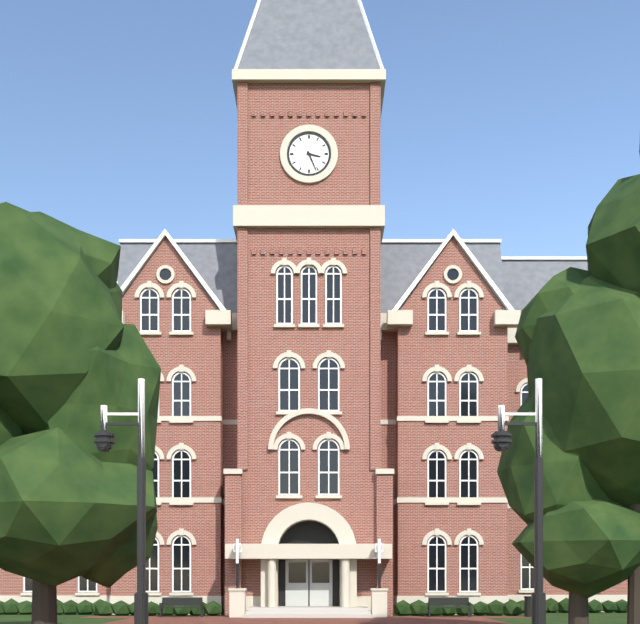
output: h=3 m=26
